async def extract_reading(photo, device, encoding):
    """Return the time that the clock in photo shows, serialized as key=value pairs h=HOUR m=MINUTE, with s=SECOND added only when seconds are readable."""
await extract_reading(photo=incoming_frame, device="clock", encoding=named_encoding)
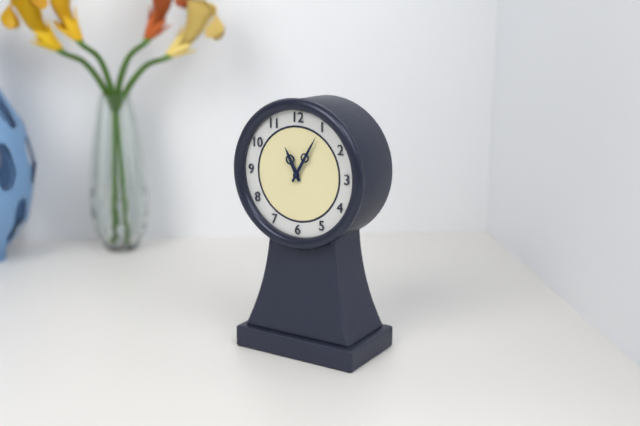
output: h=11 m=5
